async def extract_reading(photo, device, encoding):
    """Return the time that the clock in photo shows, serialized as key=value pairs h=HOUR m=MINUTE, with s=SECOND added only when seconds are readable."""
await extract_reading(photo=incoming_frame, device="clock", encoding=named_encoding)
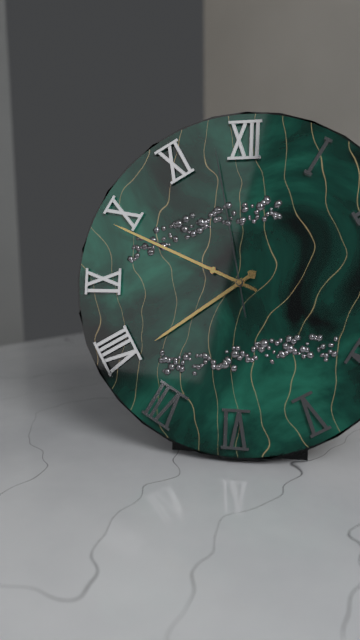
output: h=7 m=49 s=58
